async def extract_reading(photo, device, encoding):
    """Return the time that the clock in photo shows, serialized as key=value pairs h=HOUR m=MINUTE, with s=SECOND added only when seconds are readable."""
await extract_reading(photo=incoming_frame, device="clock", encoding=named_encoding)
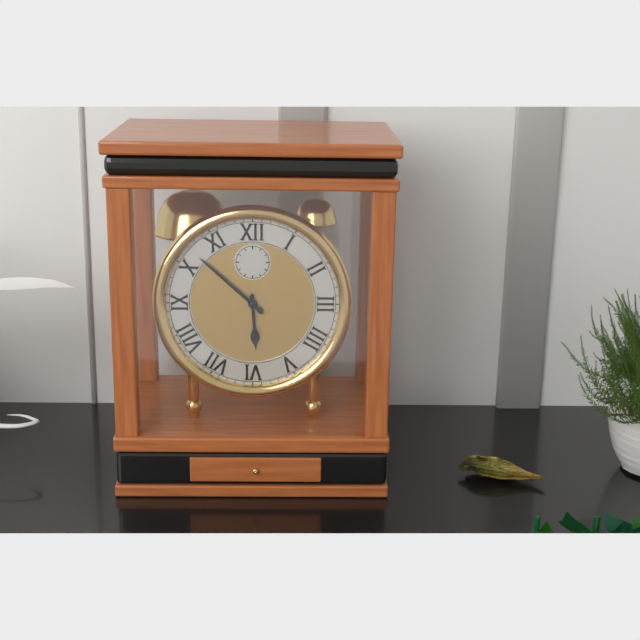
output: h=5 m=52
